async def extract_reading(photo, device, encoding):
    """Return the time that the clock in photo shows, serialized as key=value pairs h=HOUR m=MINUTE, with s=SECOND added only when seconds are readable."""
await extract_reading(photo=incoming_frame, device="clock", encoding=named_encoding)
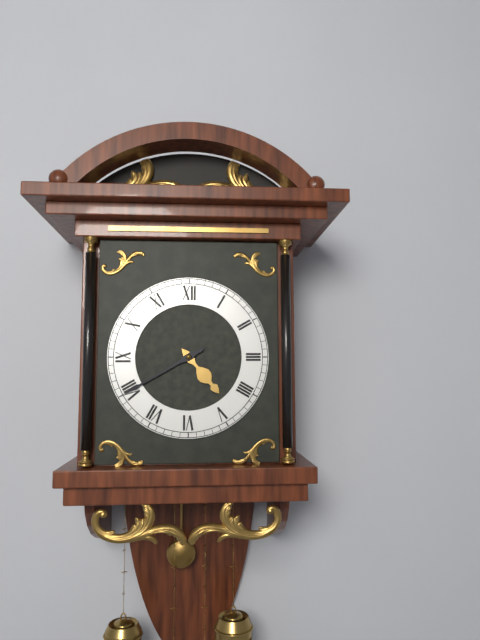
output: h=4 m=40
